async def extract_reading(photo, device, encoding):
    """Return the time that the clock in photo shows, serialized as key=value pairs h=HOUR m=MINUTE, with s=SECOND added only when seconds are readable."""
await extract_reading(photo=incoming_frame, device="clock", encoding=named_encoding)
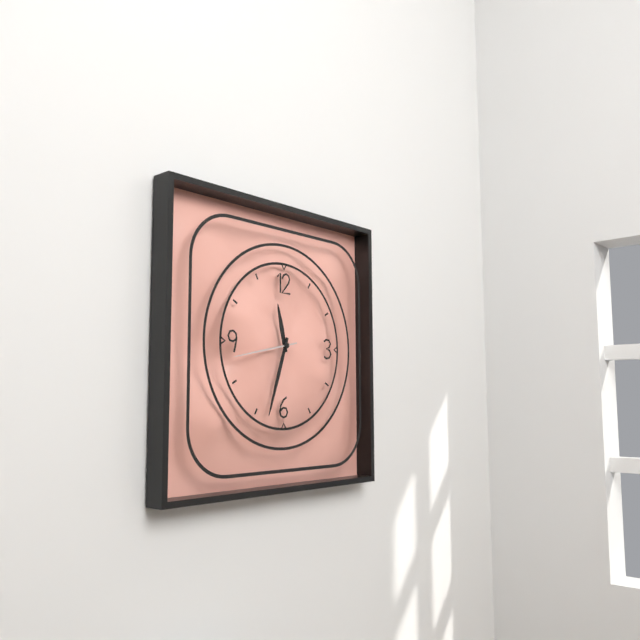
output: h=11 m=33 s=43
